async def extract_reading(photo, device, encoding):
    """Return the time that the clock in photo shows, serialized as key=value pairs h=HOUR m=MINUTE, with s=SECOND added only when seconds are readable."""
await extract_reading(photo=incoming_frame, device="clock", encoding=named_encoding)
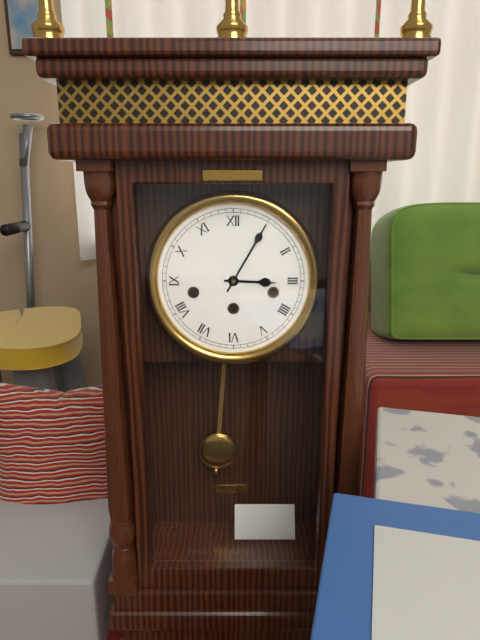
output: h=3 m=5
